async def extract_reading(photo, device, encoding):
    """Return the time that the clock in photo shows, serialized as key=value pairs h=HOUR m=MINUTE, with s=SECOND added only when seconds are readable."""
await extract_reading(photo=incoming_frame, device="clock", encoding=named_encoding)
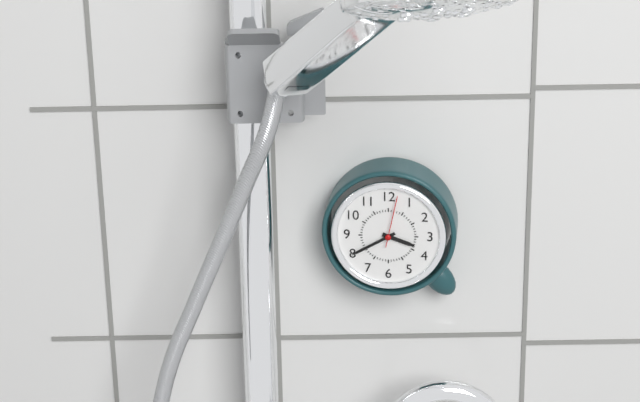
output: h=3 m=40 s=2
